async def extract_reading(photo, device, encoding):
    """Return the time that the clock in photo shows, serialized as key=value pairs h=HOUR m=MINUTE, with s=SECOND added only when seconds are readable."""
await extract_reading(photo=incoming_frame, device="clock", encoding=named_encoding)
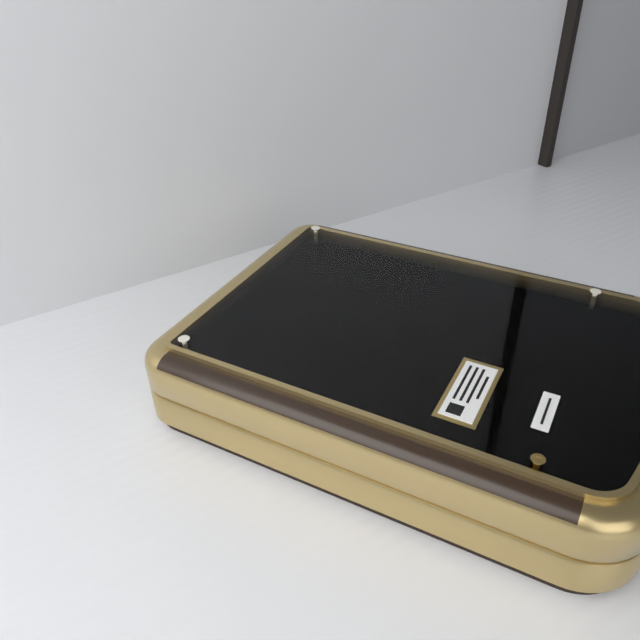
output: h=2 m=23
